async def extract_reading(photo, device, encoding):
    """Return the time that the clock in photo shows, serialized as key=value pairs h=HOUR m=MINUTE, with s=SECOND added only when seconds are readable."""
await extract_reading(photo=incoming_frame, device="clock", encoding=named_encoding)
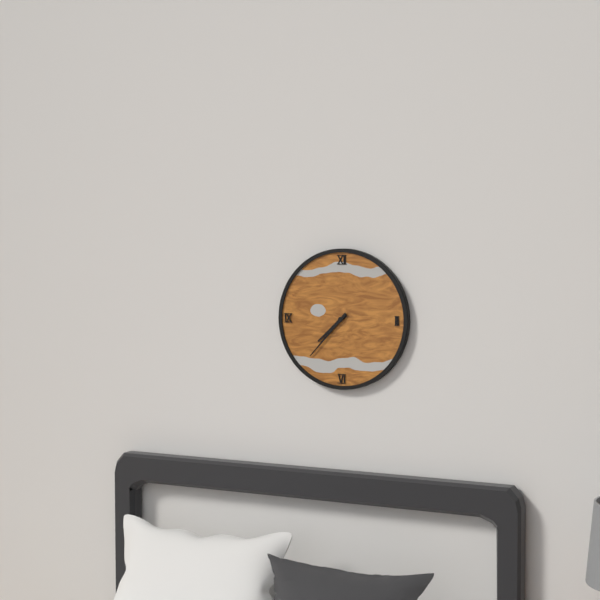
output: h=7 m=37
